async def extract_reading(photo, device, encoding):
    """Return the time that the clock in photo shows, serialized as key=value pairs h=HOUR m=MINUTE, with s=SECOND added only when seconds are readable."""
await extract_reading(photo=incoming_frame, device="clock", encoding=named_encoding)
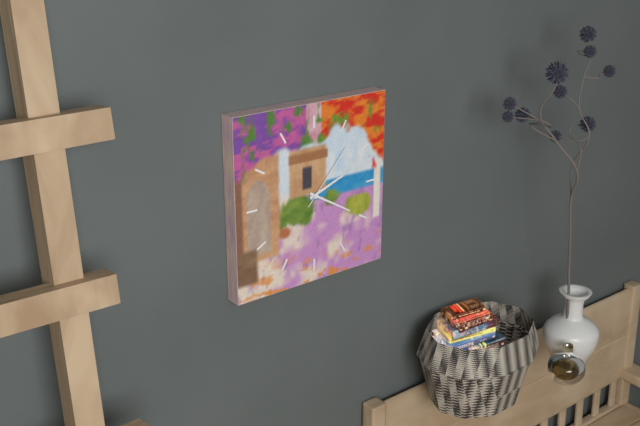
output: h=2 m=20 s=7
